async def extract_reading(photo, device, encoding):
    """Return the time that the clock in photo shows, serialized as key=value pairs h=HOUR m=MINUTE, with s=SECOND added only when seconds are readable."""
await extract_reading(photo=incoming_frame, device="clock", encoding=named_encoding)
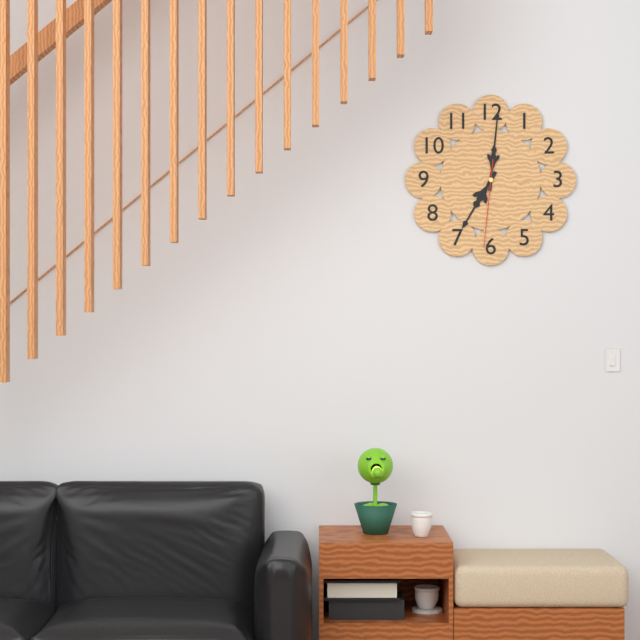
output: h=7 m=1 s=31
